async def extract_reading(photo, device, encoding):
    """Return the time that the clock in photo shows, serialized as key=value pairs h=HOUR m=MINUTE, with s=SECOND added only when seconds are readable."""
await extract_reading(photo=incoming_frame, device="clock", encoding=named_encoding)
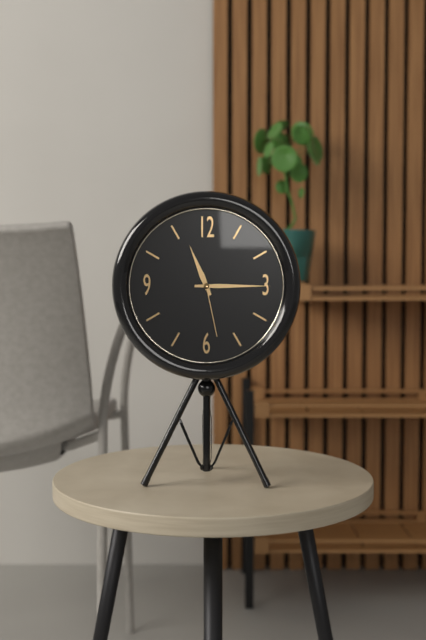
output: h=11 m=15 s=28
